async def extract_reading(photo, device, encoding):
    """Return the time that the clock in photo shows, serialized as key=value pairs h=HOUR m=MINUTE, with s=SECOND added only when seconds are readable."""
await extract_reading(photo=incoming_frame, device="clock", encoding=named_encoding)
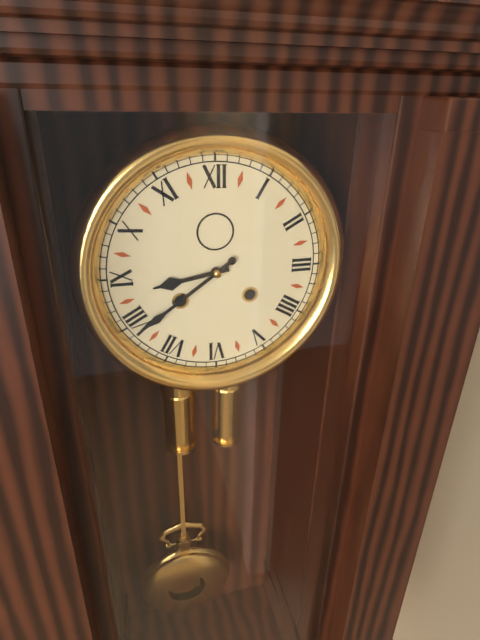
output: h=8 m=39
